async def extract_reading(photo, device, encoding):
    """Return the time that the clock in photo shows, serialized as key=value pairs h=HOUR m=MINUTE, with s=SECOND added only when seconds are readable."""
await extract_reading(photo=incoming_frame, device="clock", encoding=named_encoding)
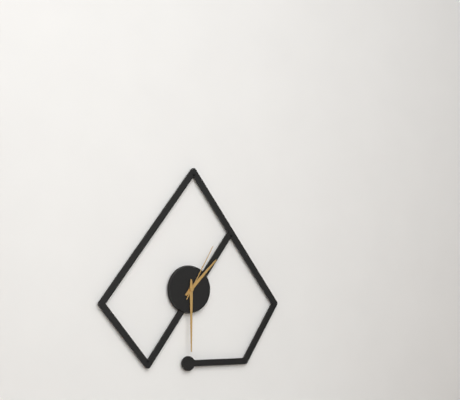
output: h=1 m=30 s=5
